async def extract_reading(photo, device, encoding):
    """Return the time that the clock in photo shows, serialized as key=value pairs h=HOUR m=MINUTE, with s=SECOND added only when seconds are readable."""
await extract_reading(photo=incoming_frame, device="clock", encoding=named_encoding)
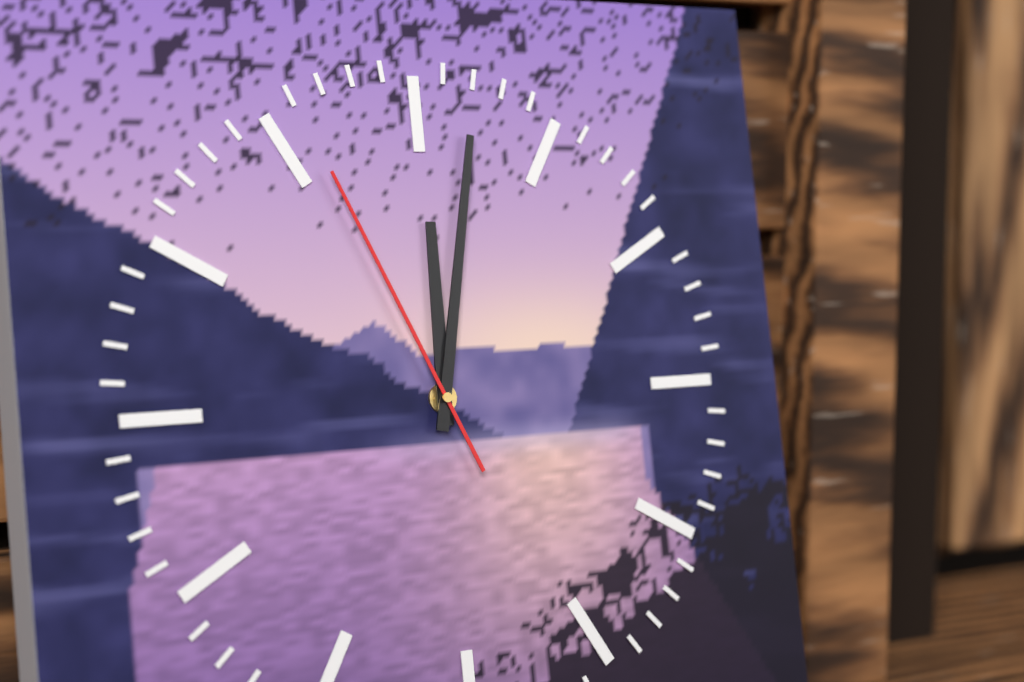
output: h=12 m=2 s=56
